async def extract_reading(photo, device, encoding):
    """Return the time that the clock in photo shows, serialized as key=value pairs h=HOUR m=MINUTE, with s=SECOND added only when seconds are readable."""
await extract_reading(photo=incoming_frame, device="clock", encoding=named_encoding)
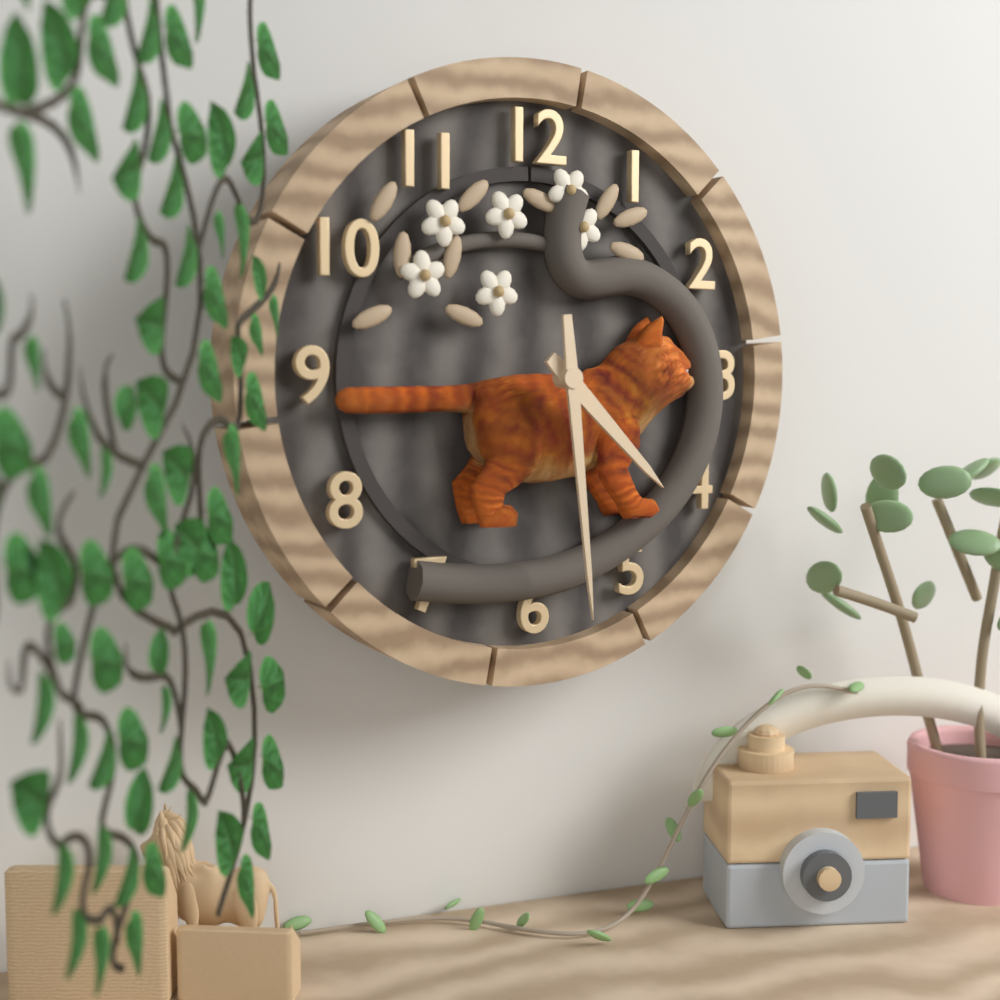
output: h=4 m=29
